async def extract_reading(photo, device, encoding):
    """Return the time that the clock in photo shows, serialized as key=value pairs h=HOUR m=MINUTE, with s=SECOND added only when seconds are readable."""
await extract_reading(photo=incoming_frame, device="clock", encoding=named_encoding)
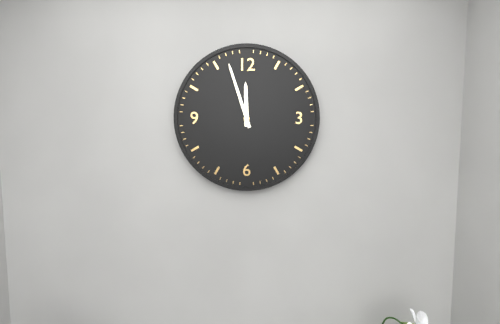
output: h=11 m=57
